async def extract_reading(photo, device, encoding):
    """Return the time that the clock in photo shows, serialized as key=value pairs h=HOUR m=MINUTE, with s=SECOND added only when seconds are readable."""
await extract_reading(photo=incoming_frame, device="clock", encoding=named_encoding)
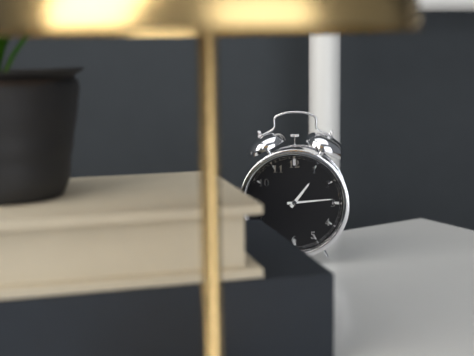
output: h=1 m=14
